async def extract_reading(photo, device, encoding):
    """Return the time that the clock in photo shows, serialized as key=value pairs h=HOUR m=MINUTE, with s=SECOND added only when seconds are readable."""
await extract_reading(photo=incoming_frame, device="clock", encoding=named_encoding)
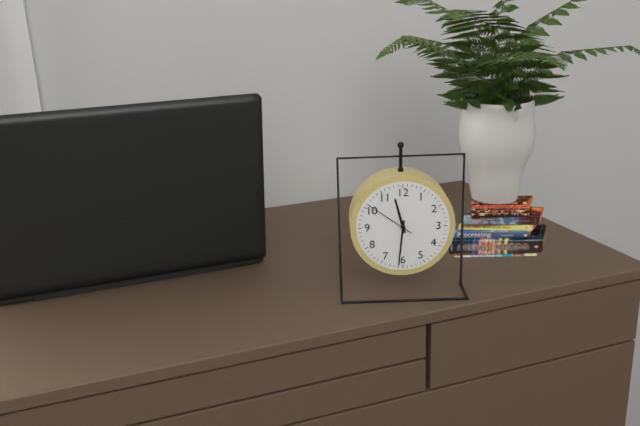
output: h=11 m=31
